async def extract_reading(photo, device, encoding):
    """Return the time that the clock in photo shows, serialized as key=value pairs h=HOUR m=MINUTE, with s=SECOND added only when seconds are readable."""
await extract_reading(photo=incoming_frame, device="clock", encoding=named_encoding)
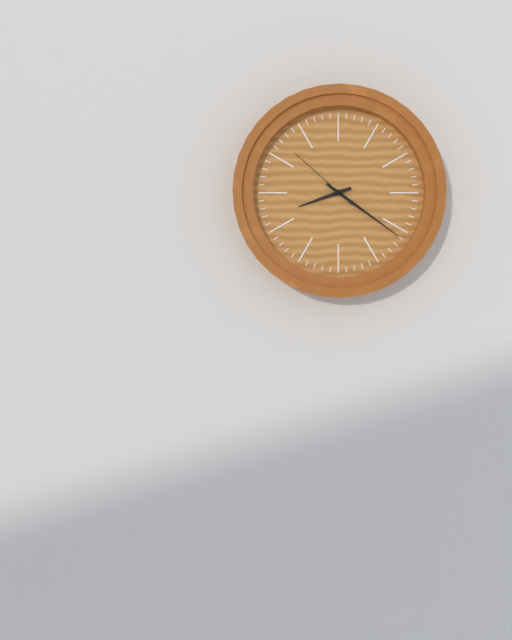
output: h=8 m=21 s=52
